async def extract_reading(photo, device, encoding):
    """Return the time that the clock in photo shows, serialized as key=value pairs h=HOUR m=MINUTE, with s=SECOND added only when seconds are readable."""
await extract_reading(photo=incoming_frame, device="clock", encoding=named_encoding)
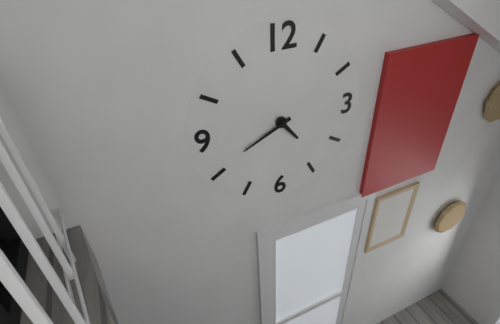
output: h=4 m=41
